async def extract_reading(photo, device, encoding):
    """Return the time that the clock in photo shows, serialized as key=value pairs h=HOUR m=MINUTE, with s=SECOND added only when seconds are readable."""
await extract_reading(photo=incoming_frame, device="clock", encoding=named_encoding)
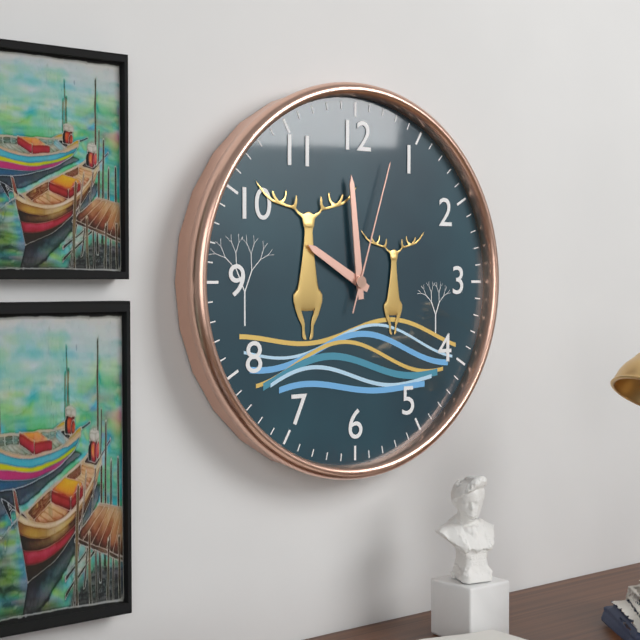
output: h=9 m=59 s=3
